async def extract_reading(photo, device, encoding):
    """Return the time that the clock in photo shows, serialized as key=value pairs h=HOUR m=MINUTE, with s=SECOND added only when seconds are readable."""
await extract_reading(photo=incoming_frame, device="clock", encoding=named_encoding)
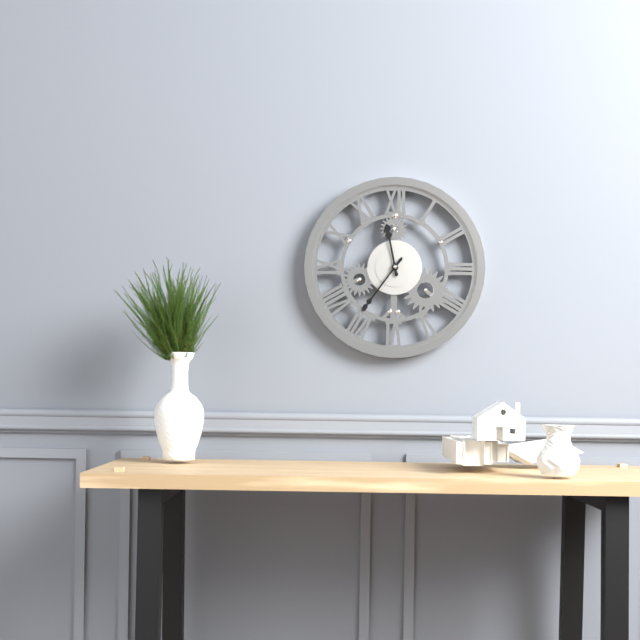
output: h=11 m=36
